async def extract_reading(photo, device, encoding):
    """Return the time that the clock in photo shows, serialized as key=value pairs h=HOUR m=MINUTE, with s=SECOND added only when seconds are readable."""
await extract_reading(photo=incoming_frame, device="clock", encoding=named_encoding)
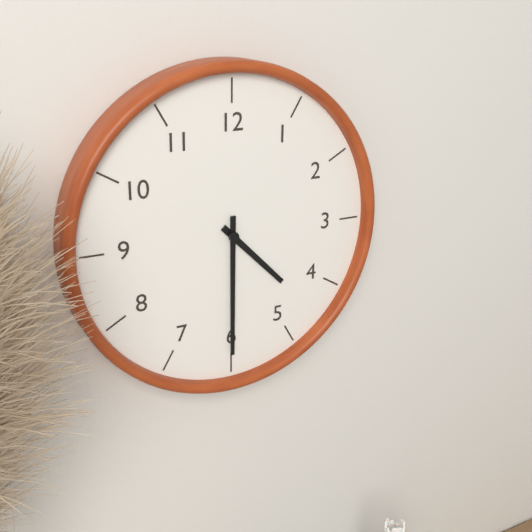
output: h=4 m=30
